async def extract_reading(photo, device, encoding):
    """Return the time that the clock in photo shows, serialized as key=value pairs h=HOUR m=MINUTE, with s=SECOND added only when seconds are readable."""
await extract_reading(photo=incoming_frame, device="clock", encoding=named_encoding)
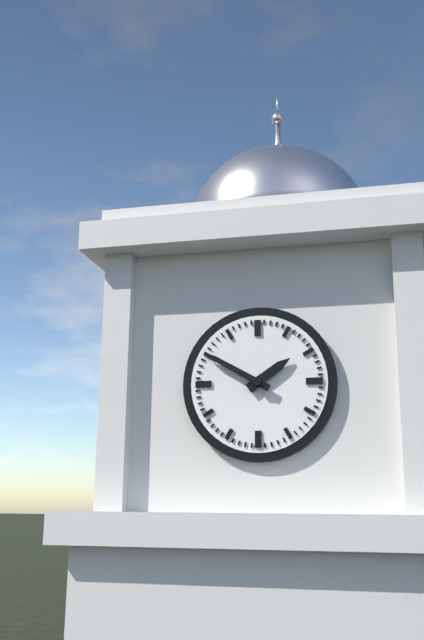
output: h=1 m=50
